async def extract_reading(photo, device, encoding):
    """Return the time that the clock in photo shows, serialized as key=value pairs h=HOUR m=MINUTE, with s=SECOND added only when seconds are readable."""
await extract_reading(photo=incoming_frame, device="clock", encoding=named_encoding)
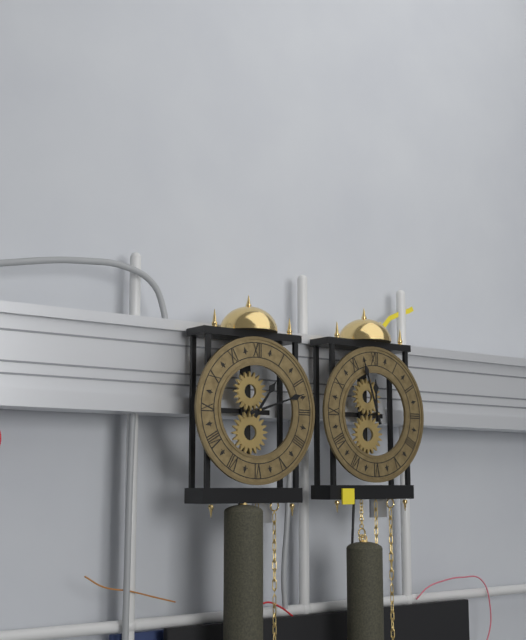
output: h=1 m=12
